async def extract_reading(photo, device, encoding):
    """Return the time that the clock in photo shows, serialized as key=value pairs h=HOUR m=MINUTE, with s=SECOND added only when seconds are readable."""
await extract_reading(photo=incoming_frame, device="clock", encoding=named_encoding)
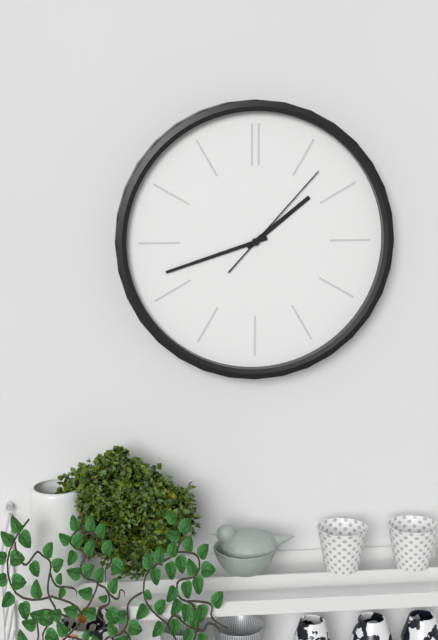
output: h=1 m=42 s=7
